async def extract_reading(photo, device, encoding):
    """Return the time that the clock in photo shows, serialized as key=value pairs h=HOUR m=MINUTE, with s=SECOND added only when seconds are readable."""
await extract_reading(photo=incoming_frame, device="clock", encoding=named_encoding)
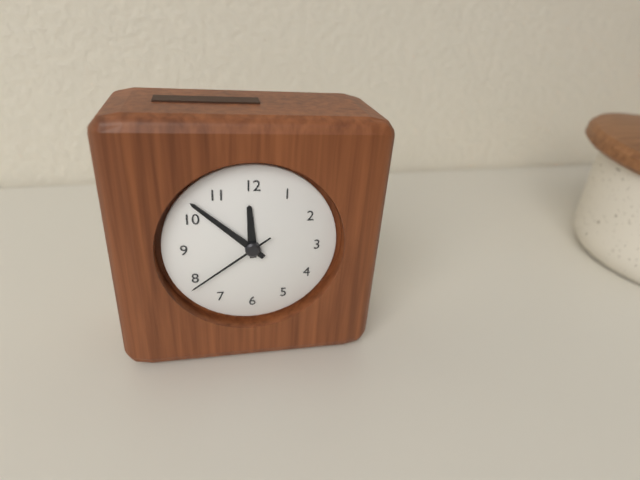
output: h=11 m=52 s=39
